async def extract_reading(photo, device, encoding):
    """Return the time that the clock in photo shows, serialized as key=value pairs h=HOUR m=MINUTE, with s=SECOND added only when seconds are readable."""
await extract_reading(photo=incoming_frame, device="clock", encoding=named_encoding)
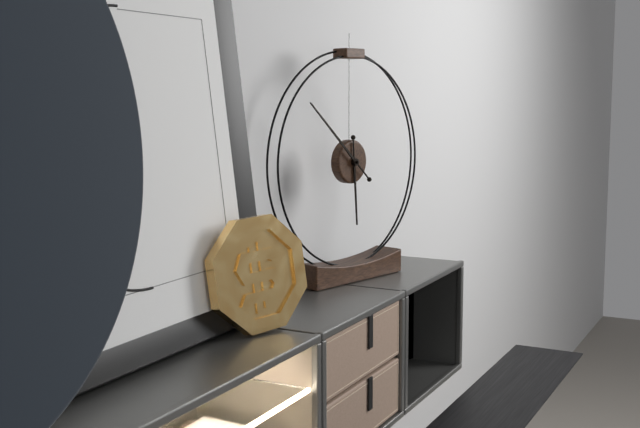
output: h=5 m=52
